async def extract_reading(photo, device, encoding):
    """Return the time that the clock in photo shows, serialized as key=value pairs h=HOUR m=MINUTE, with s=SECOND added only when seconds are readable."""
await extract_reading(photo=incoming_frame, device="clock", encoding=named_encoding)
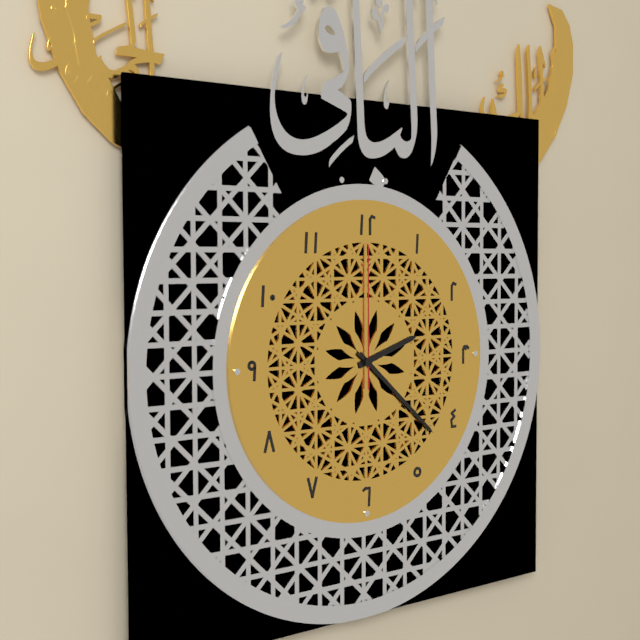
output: h=2 m=22 s=0
